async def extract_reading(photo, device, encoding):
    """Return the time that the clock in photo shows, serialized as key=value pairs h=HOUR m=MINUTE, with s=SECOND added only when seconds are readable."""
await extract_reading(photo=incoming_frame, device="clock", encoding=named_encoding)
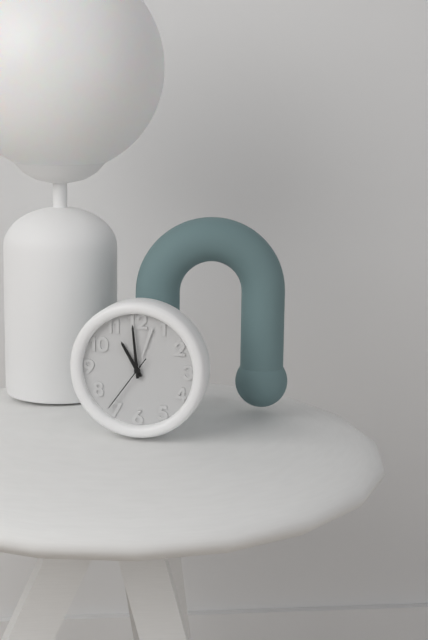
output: h=10 m=59 s=36
